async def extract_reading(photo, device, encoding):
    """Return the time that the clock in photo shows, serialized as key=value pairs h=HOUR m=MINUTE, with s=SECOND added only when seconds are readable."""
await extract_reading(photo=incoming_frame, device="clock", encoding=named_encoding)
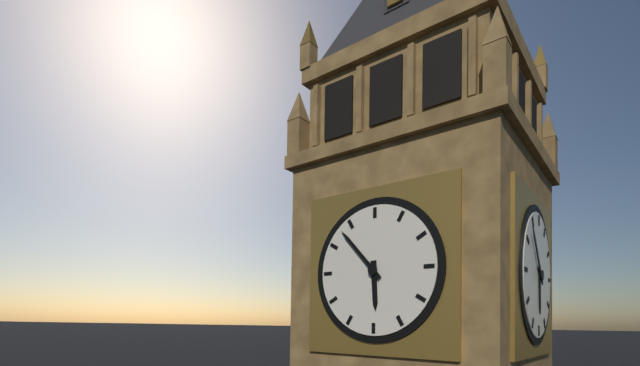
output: h=5 m=53
